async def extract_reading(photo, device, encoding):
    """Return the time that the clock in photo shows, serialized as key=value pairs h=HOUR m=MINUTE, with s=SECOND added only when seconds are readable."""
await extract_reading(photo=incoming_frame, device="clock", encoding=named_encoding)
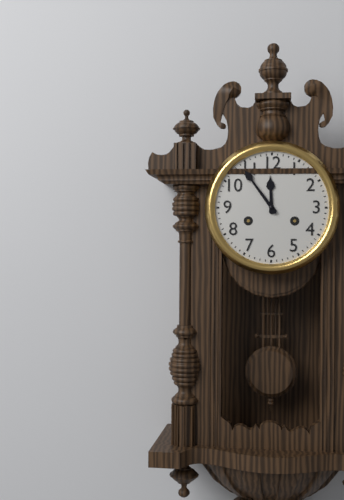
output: h=11 m=54
